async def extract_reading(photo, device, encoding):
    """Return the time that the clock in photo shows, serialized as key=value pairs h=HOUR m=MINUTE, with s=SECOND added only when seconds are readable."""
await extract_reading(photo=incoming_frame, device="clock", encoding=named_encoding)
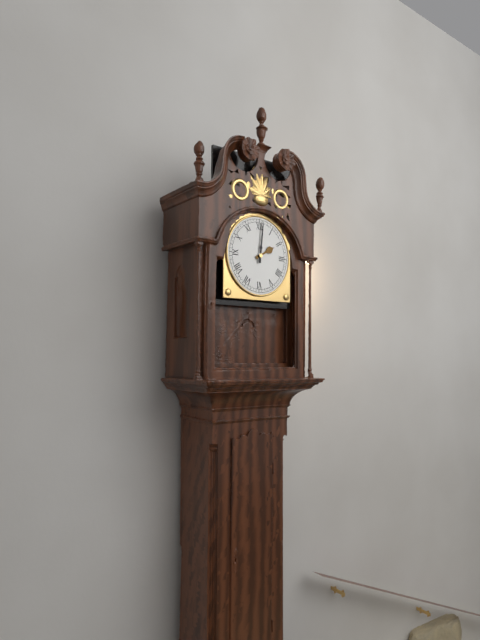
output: h=2 m=1
